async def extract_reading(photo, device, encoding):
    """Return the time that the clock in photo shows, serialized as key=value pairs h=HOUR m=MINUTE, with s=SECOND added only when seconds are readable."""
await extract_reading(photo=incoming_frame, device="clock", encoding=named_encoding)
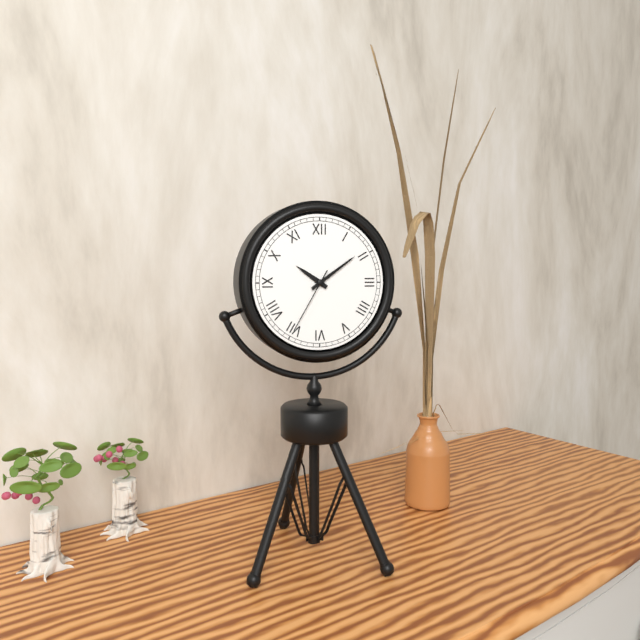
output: h=10 m=9 s=35
